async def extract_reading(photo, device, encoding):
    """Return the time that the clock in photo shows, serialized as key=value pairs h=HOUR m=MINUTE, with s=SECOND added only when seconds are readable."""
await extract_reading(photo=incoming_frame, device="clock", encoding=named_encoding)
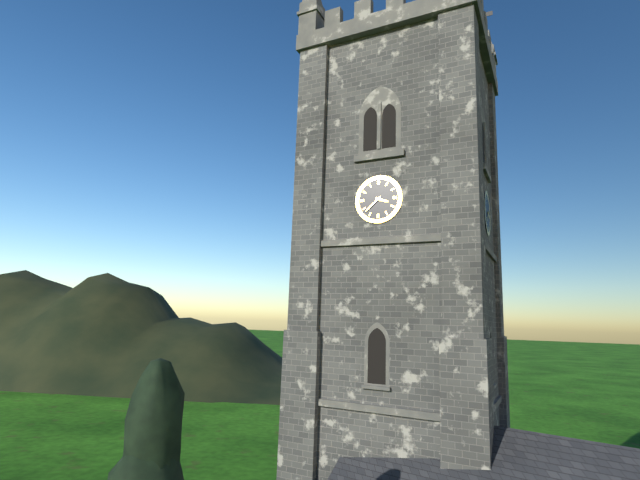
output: h=3 m=38
